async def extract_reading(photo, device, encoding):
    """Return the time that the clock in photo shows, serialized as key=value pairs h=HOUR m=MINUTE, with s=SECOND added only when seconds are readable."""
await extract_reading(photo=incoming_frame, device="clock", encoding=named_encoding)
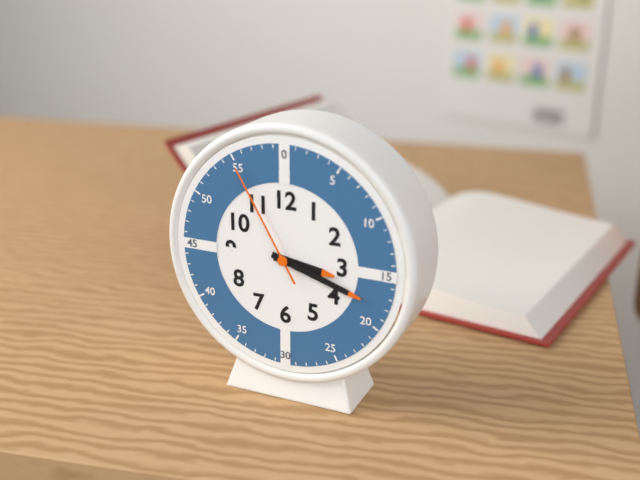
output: h=3 m=18 s=55
